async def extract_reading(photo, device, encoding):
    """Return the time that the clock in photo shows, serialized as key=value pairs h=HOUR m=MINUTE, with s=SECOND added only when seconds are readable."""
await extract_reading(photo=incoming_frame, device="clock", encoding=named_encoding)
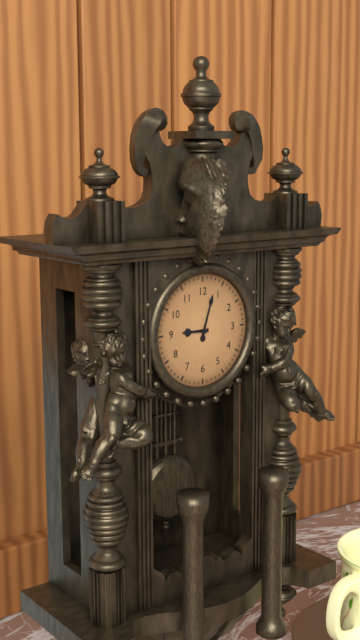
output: h=9 m=3
